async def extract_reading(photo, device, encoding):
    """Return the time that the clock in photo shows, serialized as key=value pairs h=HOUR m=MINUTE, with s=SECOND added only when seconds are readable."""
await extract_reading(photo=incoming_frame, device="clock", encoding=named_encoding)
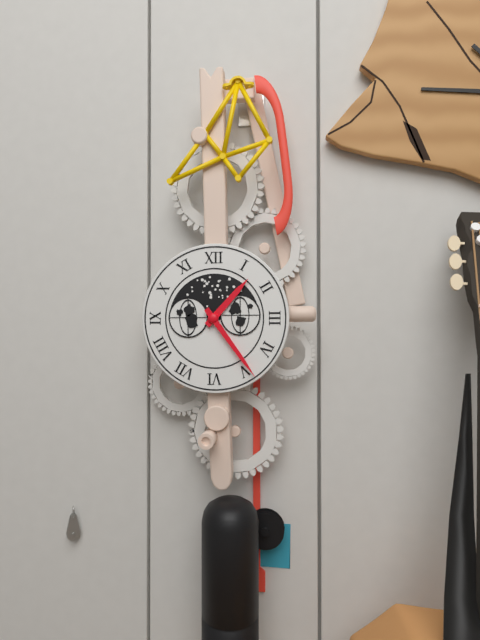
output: h=1 m=24
